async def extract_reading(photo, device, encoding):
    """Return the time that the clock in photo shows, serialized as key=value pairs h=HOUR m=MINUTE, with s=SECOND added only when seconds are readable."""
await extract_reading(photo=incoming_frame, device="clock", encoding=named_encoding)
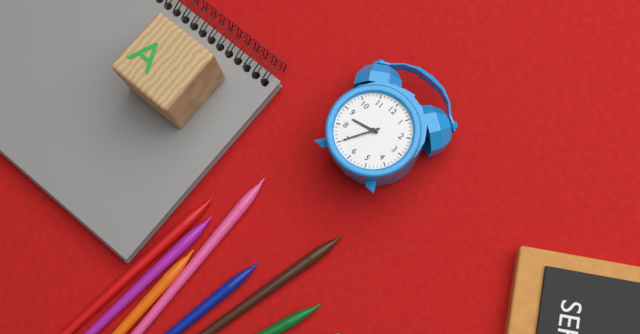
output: h=8 m=35
